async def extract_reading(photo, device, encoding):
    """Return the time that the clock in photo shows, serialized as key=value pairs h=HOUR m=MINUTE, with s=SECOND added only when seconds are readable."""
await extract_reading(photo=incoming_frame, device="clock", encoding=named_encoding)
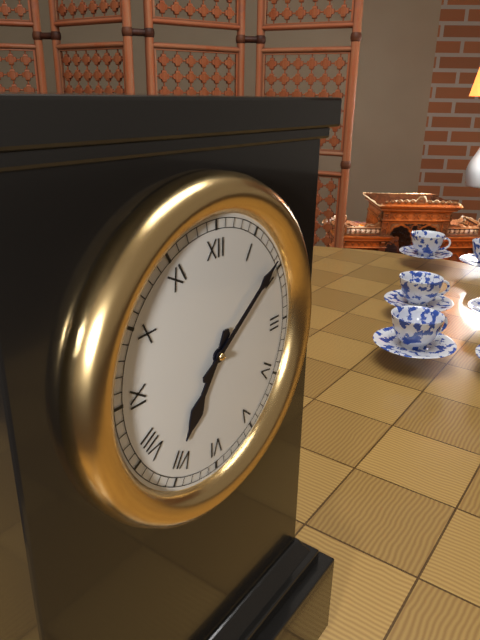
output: h=7 m=9
